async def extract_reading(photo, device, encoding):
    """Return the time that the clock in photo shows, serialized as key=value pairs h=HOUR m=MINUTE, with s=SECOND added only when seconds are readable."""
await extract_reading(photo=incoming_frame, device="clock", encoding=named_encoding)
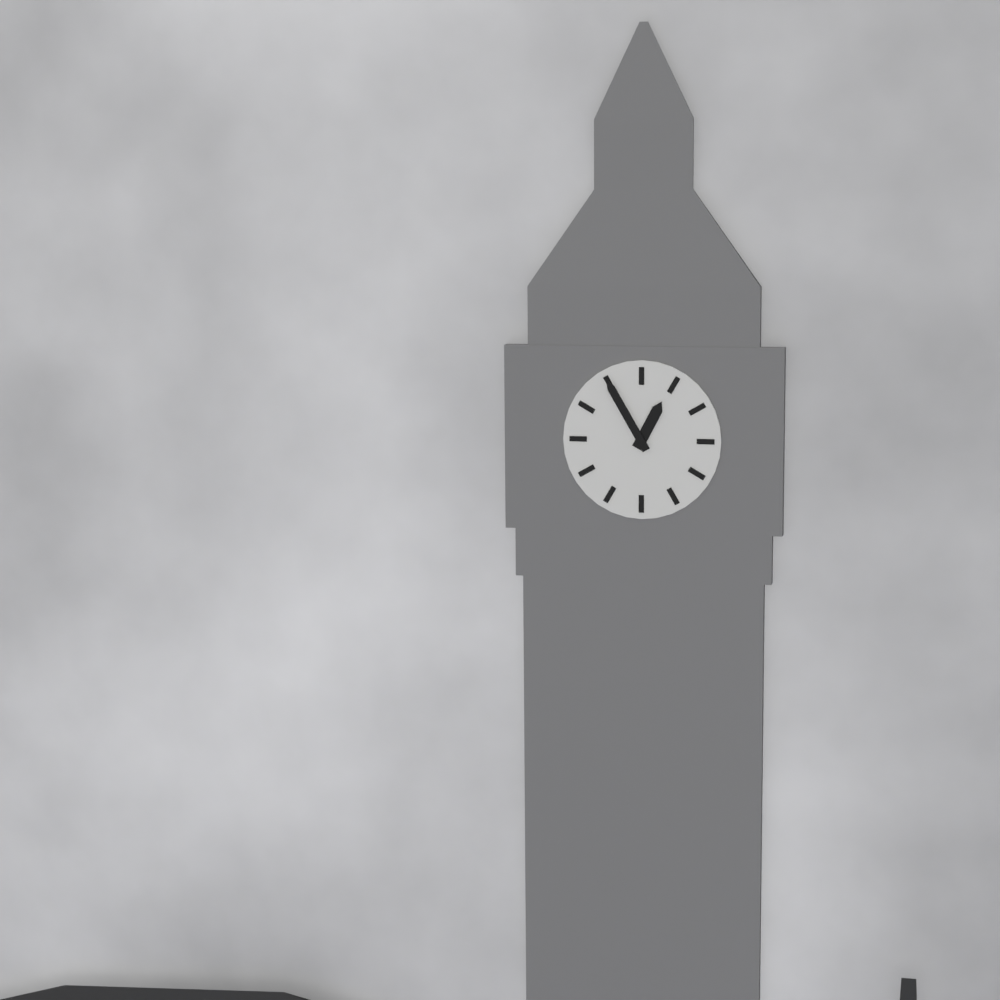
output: h=12 m=55
